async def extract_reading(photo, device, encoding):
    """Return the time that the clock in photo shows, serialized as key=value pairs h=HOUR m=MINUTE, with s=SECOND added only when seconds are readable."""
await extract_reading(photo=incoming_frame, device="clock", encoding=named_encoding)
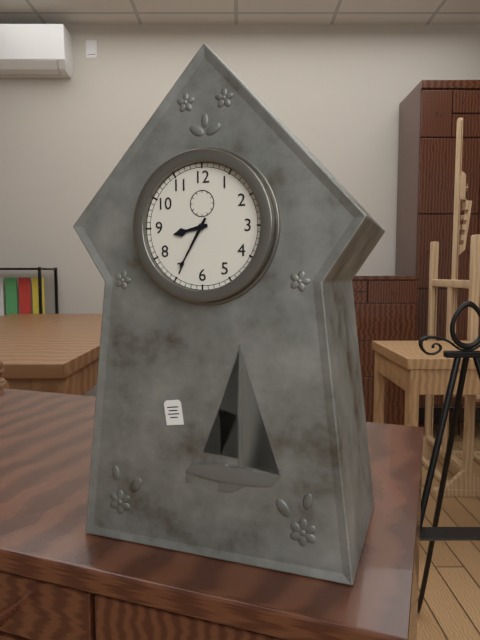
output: h=8 m=35
